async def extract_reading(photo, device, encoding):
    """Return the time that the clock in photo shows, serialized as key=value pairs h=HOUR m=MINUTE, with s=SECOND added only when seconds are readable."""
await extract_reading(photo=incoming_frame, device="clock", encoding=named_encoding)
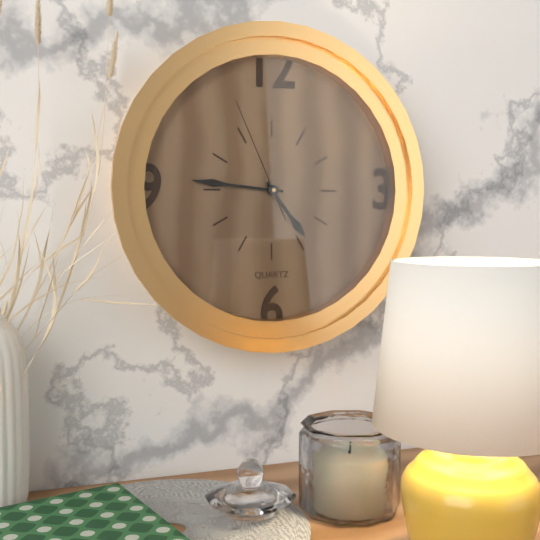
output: h=4 m=46 s=56
